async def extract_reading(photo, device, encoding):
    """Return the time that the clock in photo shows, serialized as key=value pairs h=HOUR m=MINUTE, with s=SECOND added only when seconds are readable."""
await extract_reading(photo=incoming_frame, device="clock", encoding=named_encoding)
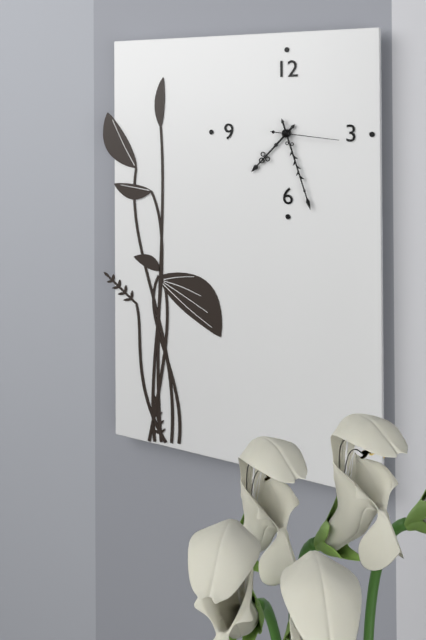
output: h=7 m=27 s=16
